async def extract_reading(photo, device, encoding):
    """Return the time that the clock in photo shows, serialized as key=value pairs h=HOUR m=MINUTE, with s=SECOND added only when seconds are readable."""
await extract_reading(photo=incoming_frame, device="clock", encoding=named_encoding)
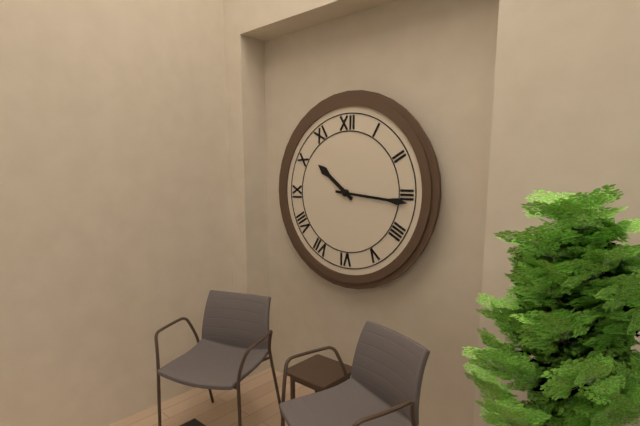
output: h=10 m=16
